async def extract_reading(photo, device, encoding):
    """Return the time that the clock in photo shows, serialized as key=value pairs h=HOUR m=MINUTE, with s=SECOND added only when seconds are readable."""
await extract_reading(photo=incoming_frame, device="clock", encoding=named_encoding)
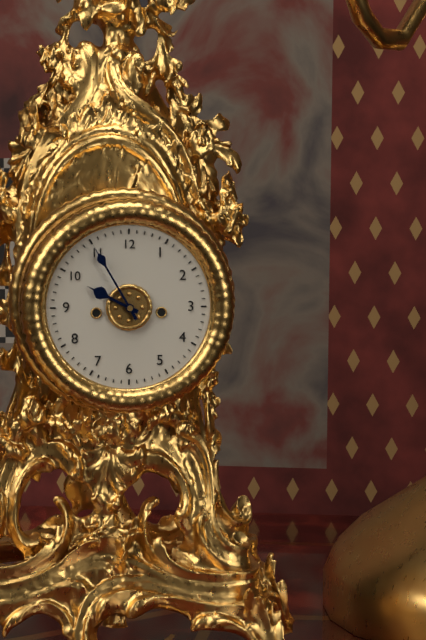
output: h=9 m=55
